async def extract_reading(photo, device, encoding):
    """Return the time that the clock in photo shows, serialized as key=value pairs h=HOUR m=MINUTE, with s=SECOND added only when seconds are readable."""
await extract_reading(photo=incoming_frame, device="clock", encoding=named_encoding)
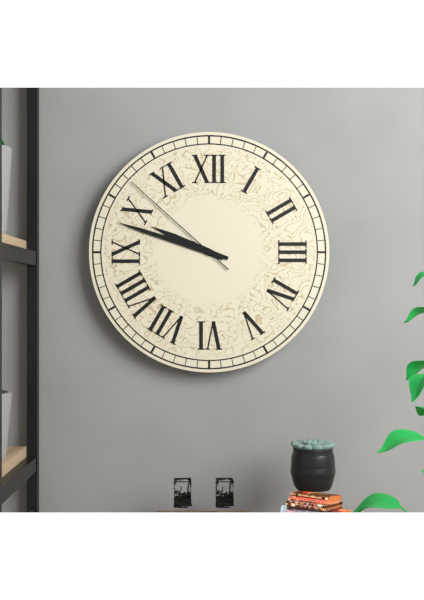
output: h=9 m=48 s=52
